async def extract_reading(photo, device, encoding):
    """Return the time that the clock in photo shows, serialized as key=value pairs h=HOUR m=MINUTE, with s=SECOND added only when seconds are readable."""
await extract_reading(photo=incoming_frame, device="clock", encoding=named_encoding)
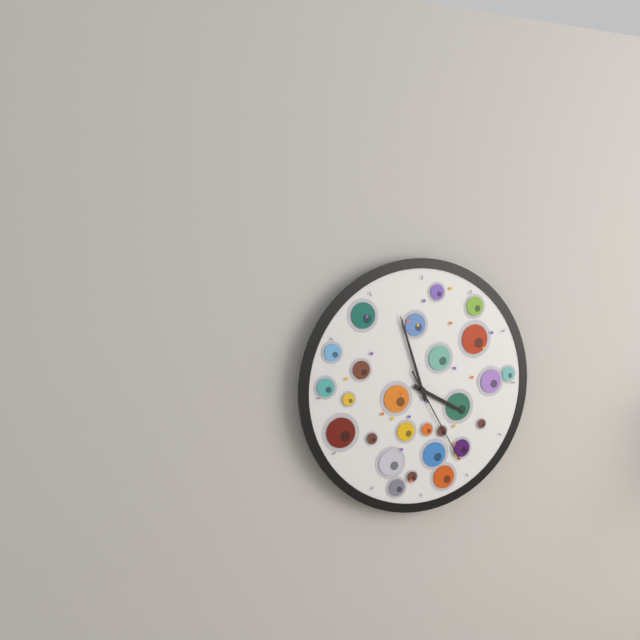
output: h=3 m=57 s=25
